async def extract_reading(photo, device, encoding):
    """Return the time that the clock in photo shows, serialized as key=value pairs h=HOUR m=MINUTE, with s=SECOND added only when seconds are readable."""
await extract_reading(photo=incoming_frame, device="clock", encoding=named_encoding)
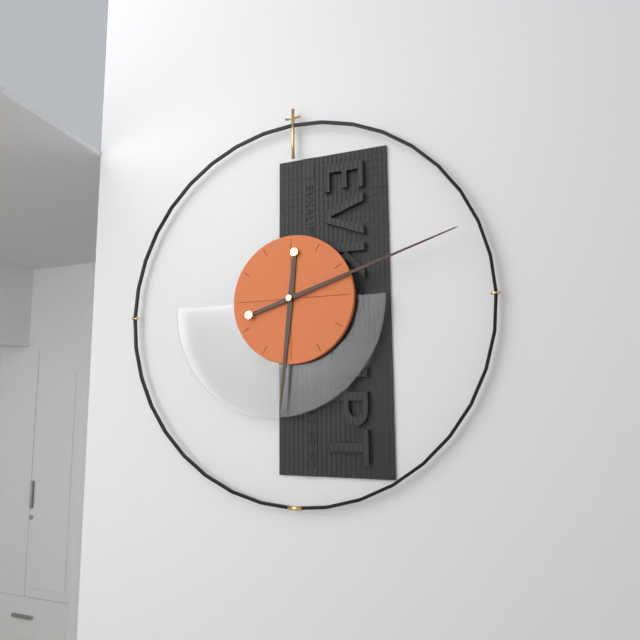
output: h=6 m=12
